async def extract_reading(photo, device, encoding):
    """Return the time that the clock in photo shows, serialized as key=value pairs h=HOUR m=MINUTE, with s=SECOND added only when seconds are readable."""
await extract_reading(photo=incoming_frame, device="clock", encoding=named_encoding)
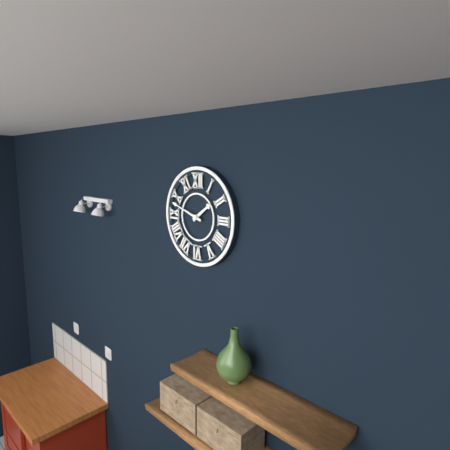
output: h=1 m=48
